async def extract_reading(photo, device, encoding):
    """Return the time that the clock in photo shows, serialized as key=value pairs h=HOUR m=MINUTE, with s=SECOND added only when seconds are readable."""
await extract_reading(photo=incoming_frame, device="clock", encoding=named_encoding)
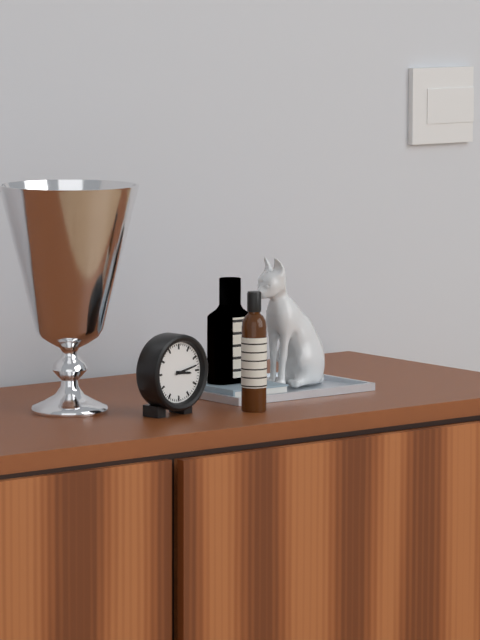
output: h=3 m=13
